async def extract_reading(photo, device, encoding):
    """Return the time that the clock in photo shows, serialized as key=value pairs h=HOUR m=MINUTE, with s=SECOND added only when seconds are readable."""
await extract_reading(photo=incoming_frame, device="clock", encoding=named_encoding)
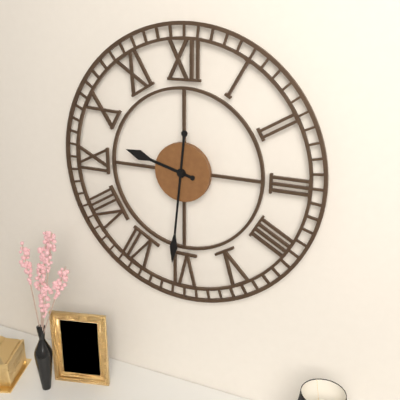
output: h=9 m=31
